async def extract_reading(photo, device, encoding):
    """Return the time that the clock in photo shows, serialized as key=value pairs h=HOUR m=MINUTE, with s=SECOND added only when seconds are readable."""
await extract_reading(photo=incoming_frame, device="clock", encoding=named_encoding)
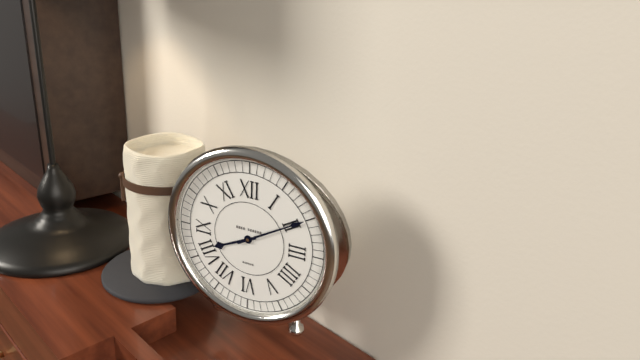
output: h=8 m=10
